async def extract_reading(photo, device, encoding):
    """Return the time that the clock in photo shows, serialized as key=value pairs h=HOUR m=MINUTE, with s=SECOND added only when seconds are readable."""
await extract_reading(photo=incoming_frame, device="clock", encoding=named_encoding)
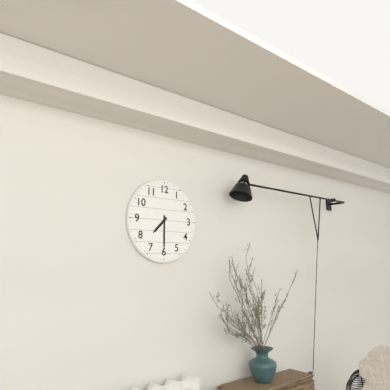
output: h=7 m=30
